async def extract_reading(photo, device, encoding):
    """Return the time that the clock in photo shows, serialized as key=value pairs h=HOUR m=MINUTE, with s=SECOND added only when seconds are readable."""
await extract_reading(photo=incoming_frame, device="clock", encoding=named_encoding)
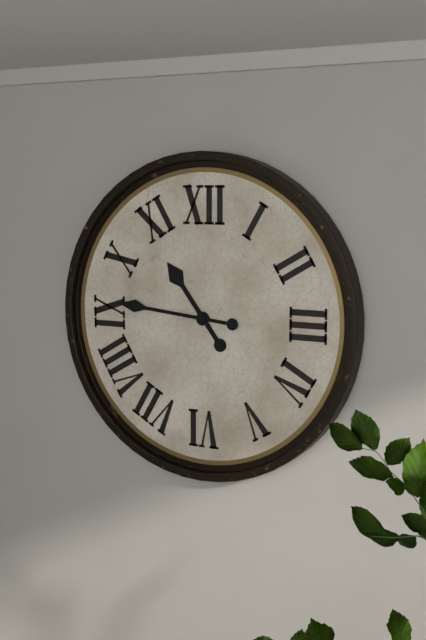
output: h=10 m=46
